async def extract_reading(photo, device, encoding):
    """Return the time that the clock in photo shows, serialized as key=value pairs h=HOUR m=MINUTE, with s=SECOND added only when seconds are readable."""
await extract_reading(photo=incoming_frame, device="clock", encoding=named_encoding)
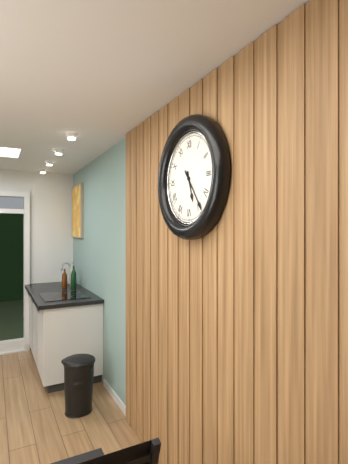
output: h=5 m=24
